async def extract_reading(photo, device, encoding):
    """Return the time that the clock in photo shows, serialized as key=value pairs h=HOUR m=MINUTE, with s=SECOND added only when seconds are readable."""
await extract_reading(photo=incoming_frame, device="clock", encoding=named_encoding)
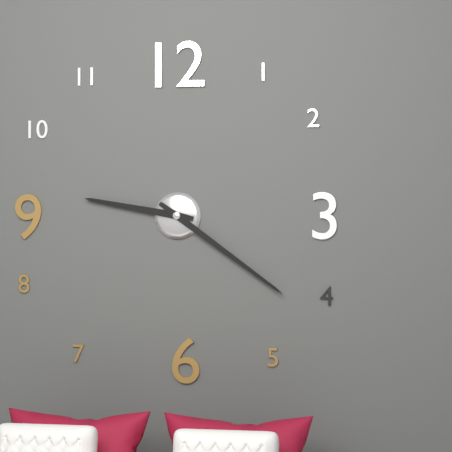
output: h=9 m=21
